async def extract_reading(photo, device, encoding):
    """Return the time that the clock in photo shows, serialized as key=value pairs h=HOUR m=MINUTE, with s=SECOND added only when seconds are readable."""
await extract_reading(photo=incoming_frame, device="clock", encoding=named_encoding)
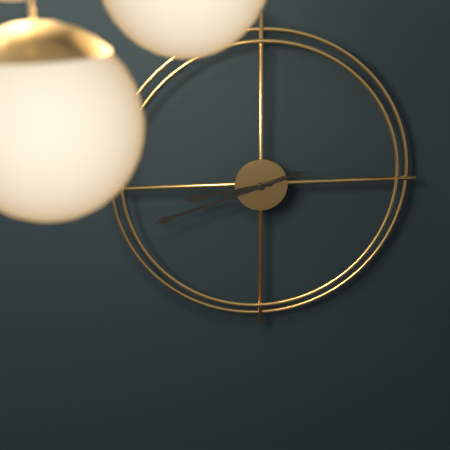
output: h=8 m=42
